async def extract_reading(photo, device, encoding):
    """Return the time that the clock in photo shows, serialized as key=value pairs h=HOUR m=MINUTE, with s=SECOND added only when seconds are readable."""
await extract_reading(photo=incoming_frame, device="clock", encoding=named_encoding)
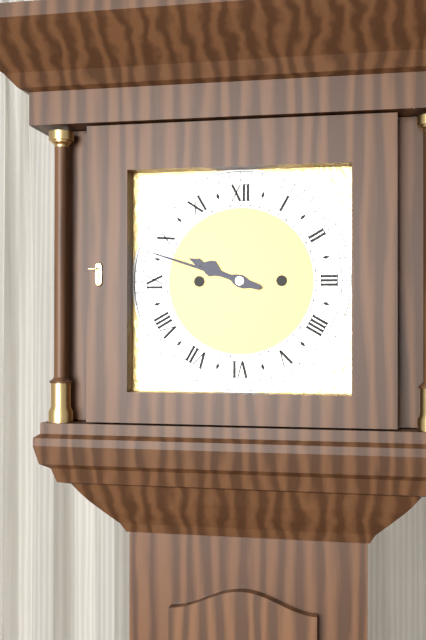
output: h=9 m=48
